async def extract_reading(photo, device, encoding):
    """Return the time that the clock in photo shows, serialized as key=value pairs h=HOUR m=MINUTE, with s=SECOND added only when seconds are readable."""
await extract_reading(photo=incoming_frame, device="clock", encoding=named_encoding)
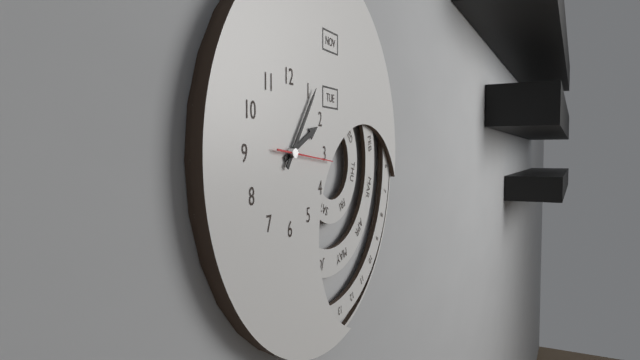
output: h=2 m=6
